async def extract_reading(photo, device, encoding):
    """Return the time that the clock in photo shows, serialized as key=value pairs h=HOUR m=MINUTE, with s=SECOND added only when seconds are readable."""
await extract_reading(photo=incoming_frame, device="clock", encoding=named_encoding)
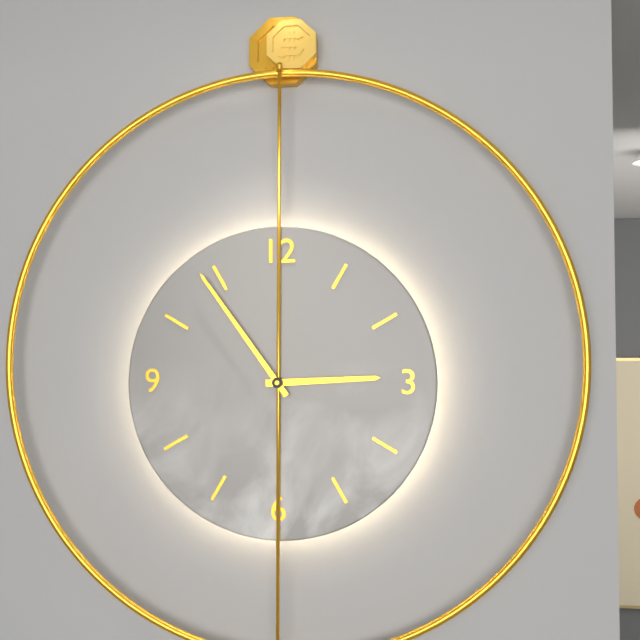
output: h=2 m=54
